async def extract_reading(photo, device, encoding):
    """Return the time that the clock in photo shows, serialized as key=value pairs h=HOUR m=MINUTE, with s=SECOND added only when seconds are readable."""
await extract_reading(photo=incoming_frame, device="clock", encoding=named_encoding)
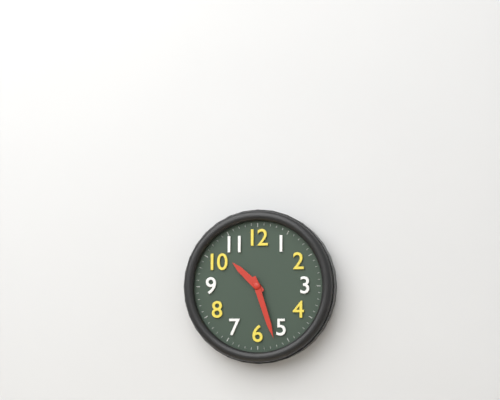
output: h=10 m=27
